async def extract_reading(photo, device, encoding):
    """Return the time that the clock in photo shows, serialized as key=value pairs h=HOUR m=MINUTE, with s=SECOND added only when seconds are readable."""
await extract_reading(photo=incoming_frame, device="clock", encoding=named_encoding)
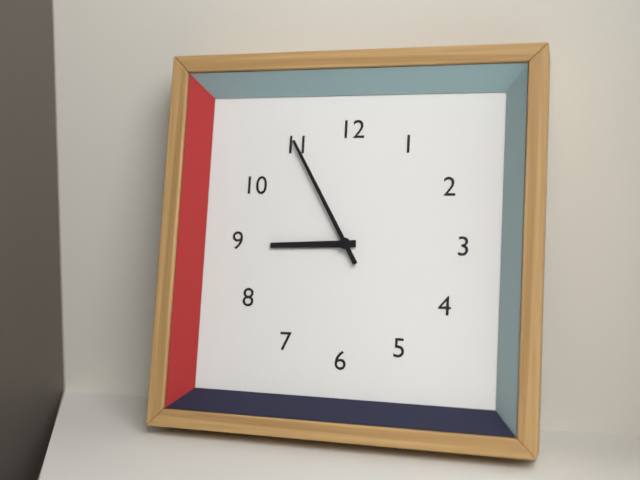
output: h=8 m=55
